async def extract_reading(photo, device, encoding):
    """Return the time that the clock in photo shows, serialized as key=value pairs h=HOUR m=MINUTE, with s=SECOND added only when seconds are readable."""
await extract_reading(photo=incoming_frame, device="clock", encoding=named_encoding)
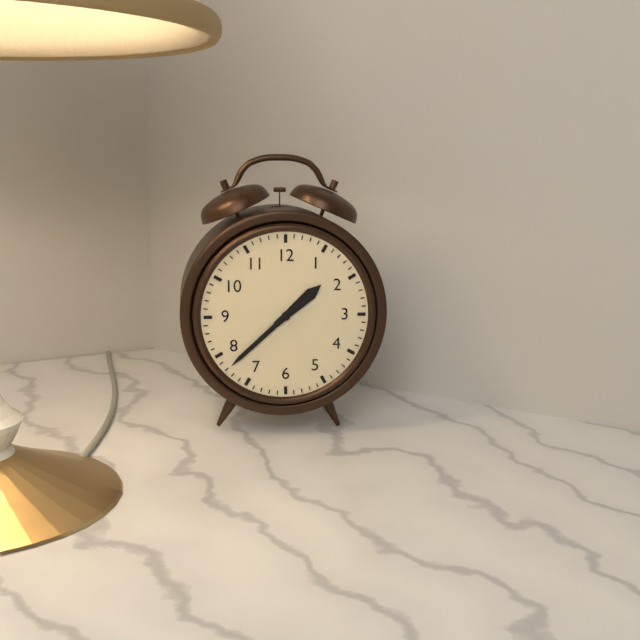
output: h=1 m=38
